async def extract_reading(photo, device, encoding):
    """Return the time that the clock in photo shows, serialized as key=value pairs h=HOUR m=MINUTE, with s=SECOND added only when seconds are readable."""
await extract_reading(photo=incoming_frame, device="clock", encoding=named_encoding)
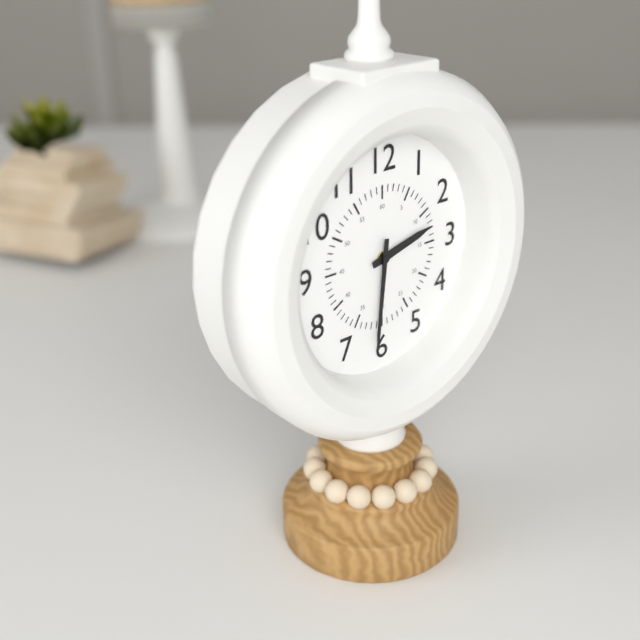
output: h=2 m=31
